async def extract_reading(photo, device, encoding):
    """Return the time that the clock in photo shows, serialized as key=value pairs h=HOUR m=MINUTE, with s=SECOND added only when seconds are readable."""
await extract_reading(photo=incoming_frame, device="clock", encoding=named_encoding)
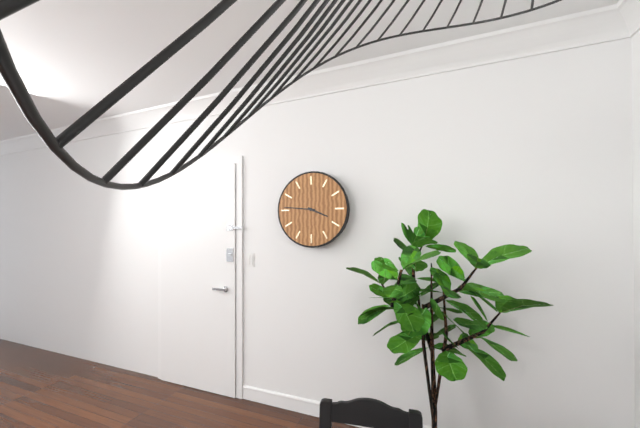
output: h=3 m=46
